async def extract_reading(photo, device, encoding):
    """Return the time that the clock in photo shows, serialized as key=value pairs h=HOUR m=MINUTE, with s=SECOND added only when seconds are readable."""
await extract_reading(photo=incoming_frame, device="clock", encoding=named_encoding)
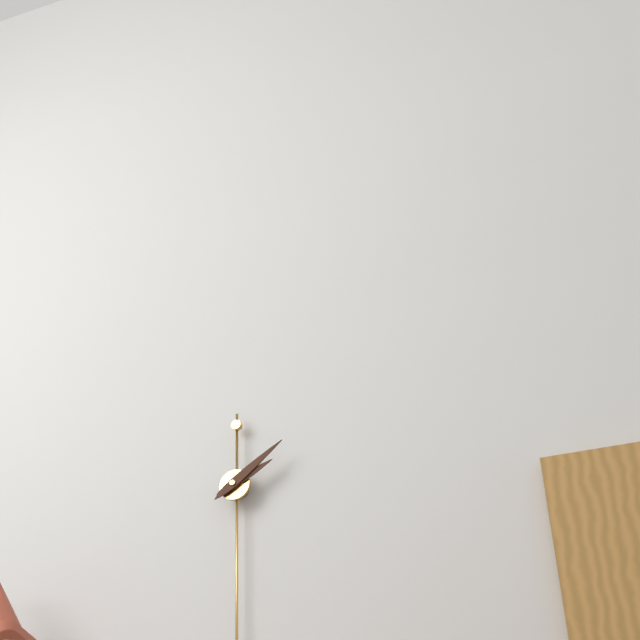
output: h=2 m=9
